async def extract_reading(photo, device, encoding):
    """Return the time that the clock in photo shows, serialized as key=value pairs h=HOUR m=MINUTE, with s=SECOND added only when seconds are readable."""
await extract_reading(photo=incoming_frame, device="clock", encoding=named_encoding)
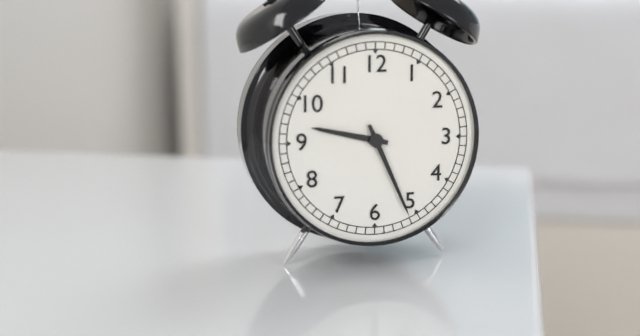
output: h=9 m=26
